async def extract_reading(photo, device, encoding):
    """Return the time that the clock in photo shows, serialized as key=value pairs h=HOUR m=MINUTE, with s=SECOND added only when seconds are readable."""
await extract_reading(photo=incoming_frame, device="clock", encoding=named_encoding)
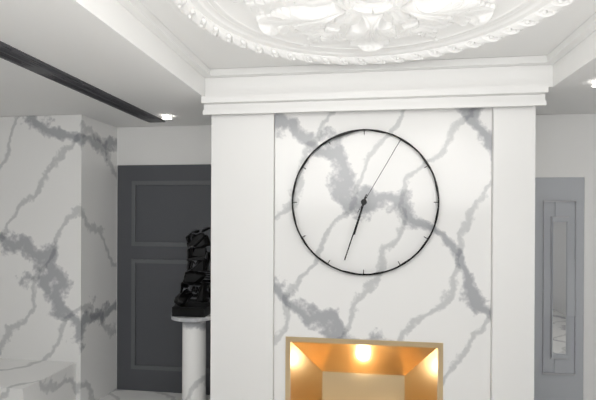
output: h=6 m=33 s=5
